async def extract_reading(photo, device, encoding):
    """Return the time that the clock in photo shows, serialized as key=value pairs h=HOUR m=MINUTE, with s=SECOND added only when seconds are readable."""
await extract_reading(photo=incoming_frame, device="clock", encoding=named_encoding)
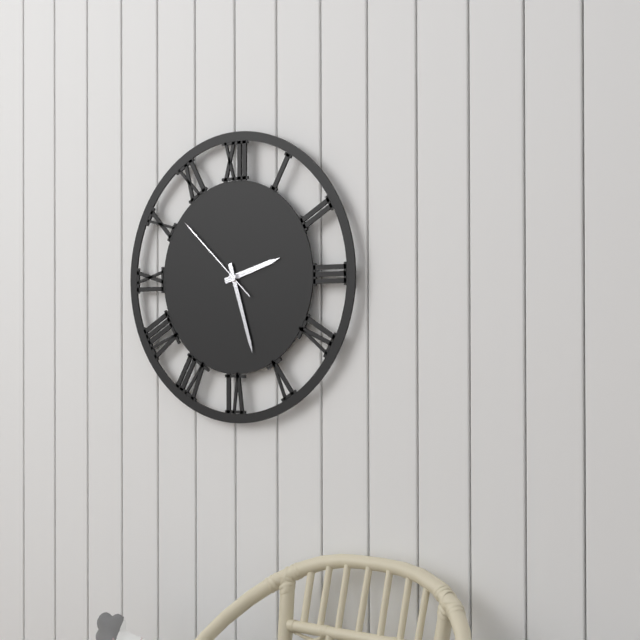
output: h=2 m=27 s=52
